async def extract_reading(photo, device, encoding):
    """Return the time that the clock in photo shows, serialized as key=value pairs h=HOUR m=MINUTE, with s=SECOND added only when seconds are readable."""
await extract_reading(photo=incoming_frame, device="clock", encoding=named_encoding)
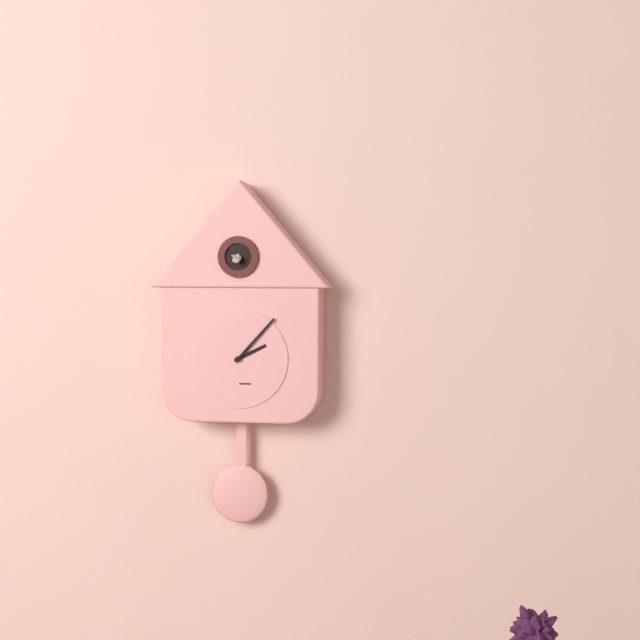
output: h=2 m=7
